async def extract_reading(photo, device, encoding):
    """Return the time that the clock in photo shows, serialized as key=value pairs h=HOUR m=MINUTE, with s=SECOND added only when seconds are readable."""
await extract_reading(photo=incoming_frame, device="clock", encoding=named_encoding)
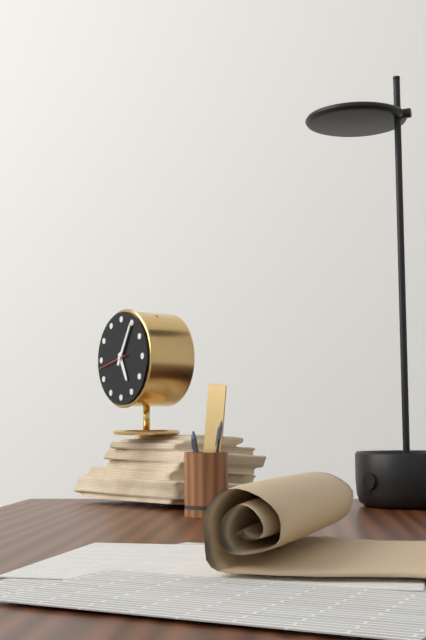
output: h=5 m=5
